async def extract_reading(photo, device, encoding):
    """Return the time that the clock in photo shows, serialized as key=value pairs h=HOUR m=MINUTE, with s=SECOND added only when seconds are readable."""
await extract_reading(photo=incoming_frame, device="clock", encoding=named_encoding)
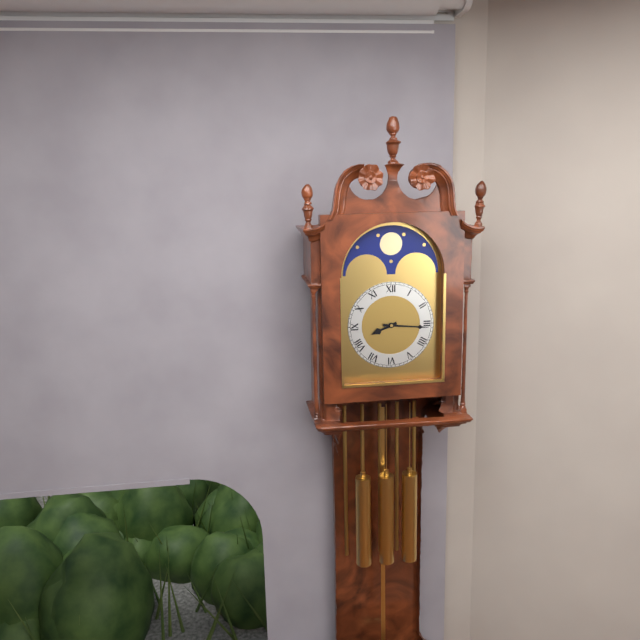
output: h=8 m=16
